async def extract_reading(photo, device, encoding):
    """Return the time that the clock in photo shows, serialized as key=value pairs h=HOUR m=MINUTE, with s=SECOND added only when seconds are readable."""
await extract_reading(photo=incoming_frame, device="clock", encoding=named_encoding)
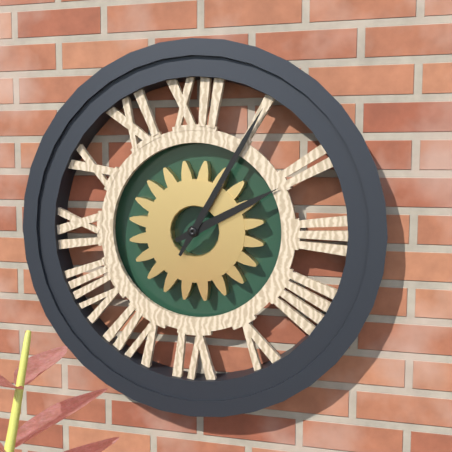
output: h=2 m=5
